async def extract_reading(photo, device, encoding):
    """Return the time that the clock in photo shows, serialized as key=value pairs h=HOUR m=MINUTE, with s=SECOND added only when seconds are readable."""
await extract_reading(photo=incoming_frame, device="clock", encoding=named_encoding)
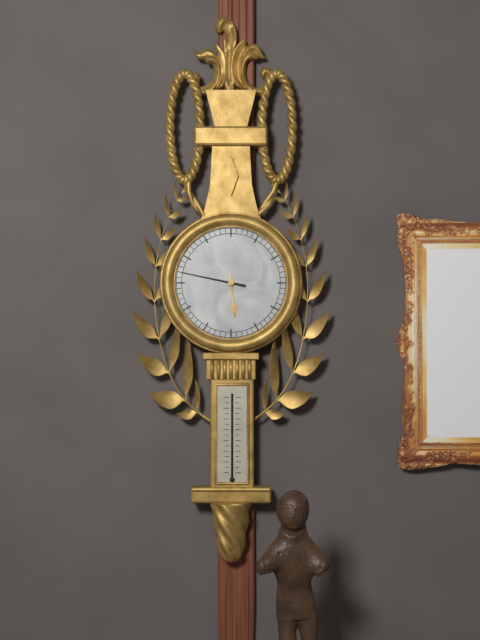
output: h=5 m=47
